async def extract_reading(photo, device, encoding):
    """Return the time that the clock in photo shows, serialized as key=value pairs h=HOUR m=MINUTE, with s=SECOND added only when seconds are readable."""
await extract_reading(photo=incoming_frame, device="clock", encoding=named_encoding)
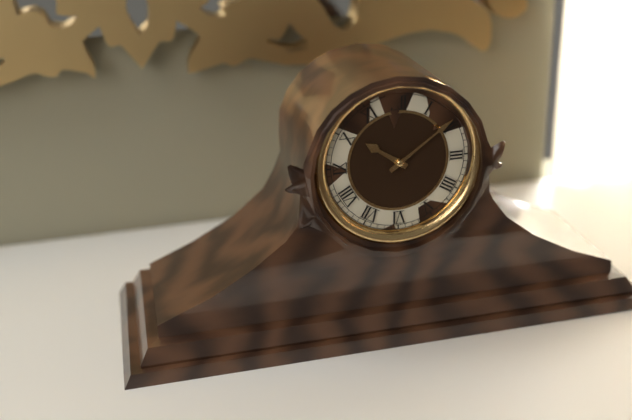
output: h=10 m=9
